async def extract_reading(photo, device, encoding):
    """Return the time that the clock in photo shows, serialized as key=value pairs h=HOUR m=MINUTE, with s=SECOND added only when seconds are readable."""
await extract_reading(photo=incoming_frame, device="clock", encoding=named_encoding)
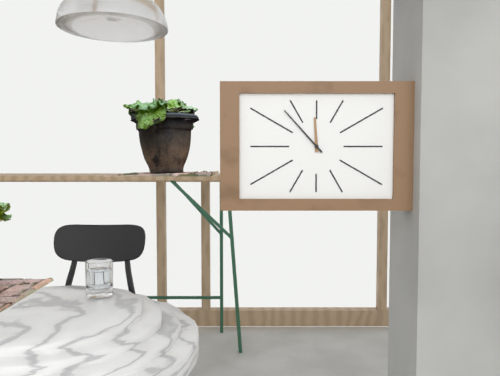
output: h=11 m=53
